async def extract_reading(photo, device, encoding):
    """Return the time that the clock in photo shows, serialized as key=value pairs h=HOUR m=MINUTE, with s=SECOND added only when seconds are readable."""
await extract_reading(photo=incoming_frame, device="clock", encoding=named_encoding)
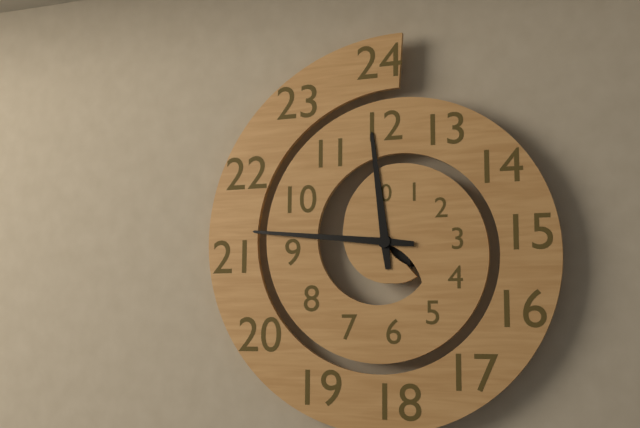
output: h=11 m=46
